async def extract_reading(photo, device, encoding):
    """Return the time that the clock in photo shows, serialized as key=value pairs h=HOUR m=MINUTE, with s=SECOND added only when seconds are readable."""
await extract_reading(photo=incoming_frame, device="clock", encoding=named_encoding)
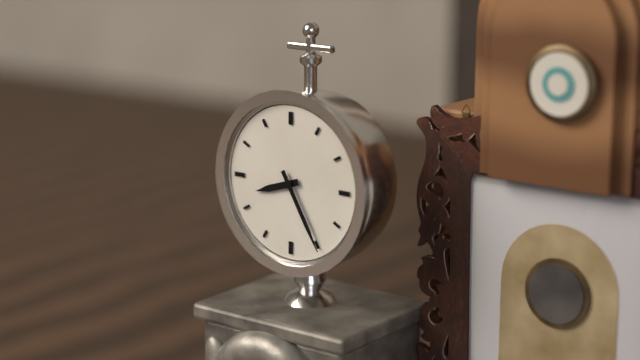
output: h=8 m=25
